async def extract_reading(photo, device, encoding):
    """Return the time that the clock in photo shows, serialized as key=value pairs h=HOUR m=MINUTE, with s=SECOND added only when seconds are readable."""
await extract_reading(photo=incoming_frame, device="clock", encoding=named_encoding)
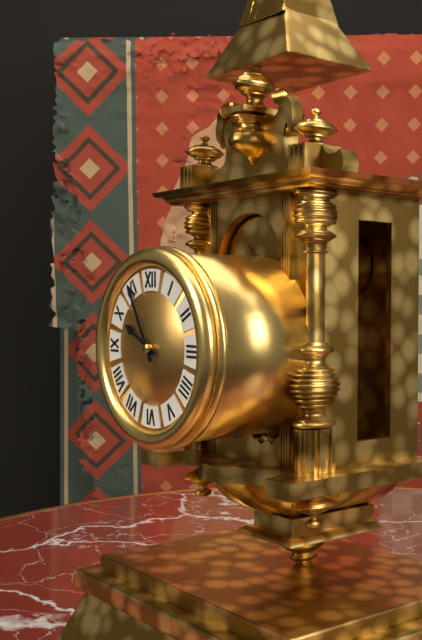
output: h=9 m=55
